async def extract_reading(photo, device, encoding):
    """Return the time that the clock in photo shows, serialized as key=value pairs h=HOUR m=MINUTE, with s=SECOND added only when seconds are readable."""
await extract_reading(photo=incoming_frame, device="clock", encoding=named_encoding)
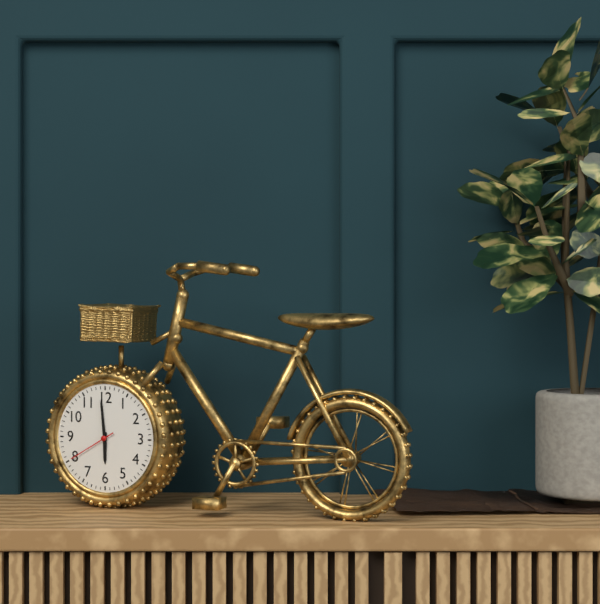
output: h=5 m=59 s=40
